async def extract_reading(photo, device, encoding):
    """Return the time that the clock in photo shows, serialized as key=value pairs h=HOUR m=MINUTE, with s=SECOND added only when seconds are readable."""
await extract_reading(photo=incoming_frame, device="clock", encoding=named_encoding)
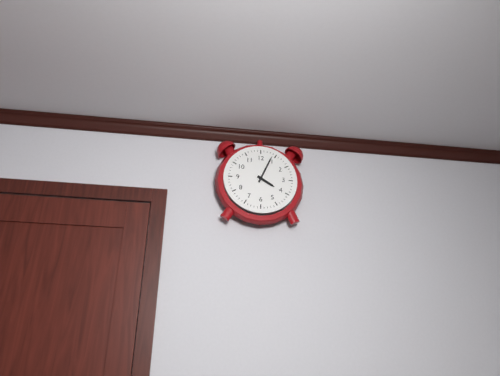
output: h=4 m=4
